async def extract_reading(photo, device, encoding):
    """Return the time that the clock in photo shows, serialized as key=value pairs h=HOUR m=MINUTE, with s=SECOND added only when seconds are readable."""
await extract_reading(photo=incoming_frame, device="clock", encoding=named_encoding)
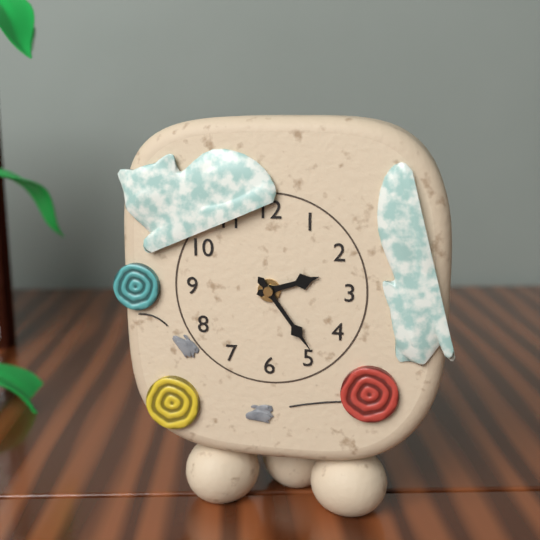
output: h=2 m=24
